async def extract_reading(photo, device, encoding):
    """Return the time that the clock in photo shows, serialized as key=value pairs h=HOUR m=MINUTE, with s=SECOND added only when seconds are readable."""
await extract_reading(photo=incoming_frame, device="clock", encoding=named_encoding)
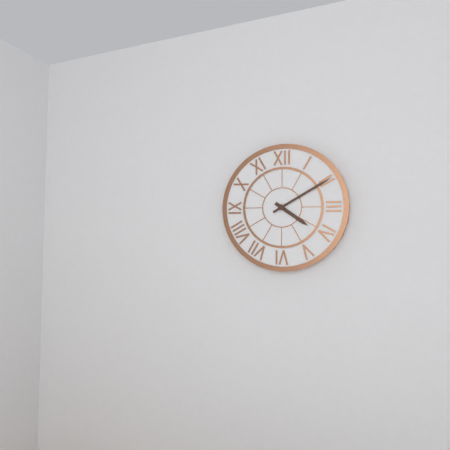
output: h=4 m=10
